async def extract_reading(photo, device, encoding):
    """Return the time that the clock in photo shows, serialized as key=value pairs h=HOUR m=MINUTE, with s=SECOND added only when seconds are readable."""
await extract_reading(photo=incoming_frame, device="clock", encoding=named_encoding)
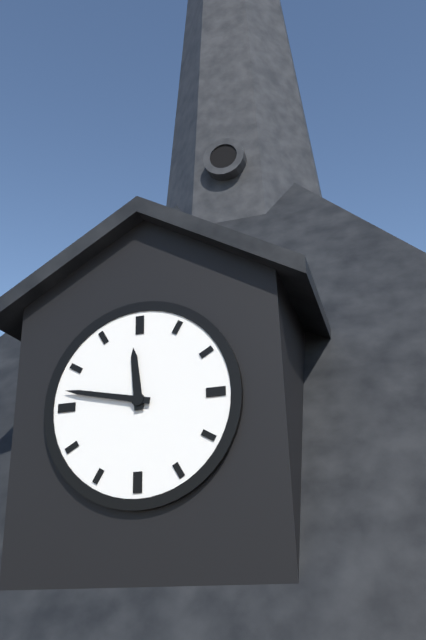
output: h=11 m=47
